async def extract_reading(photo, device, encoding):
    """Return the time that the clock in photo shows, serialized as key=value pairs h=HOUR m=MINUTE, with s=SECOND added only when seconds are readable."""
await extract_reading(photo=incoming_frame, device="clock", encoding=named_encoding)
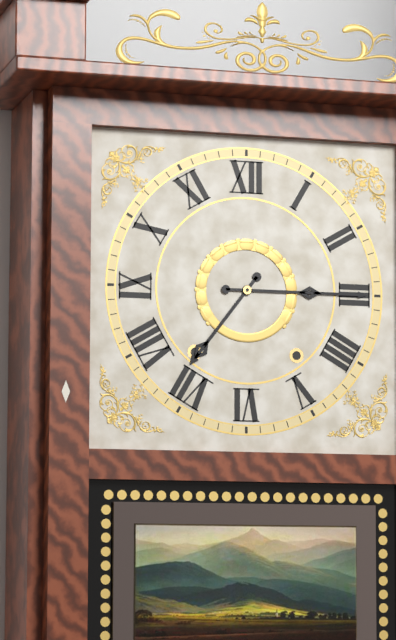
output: h=7 m=15
